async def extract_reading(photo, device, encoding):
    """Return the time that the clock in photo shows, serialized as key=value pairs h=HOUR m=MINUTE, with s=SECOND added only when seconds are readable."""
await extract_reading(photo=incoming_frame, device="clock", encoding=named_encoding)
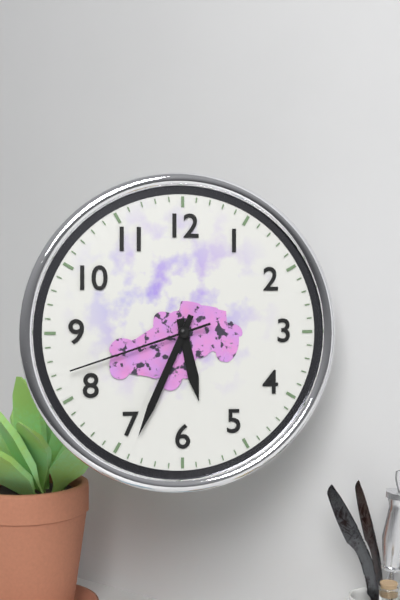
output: h=5 m=34 s=42
